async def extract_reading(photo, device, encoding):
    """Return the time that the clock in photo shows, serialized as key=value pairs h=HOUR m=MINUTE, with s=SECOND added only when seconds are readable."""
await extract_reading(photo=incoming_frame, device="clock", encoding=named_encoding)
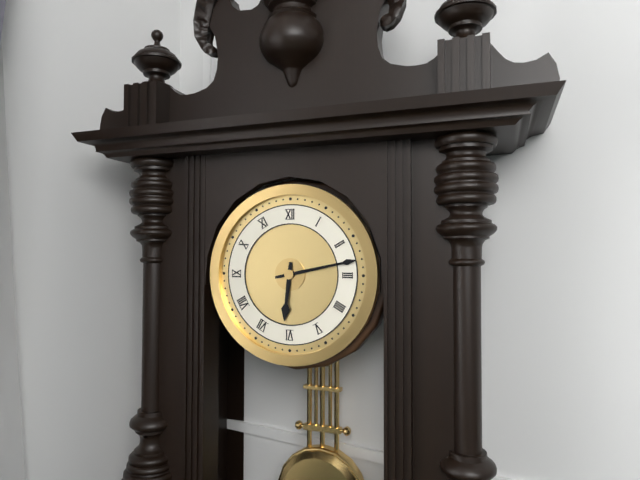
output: h=6 m=13
